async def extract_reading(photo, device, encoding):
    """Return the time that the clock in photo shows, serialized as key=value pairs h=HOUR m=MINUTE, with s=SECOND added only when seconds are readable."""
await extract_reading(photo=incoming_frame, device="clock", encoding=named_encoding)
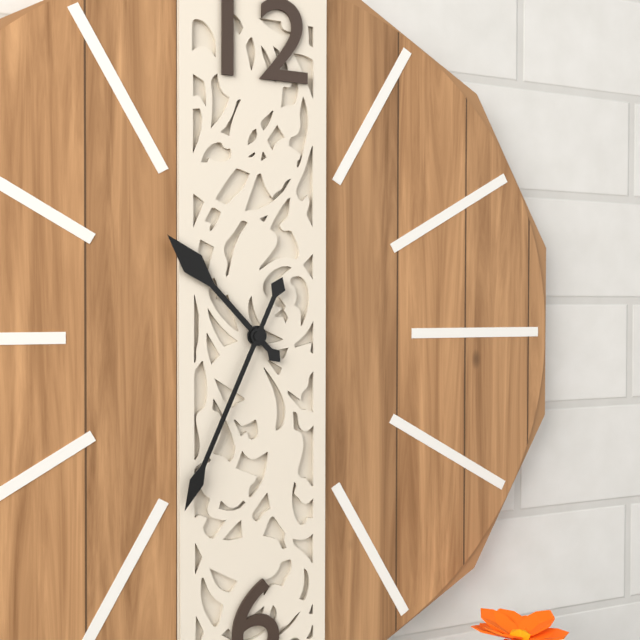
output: h=10 m=34
